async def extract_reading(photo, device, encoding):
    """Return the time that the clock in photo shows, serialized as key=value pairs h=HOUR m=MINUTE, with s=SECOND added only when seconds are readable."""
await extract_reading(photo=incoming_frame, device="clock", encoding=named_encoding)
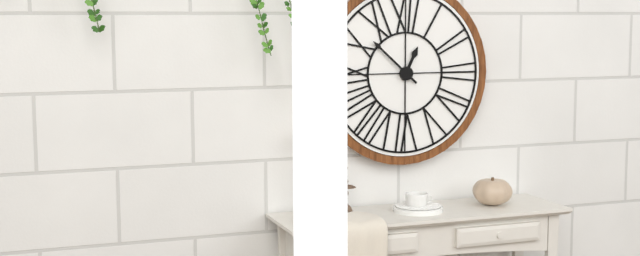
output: h=12 m=52
